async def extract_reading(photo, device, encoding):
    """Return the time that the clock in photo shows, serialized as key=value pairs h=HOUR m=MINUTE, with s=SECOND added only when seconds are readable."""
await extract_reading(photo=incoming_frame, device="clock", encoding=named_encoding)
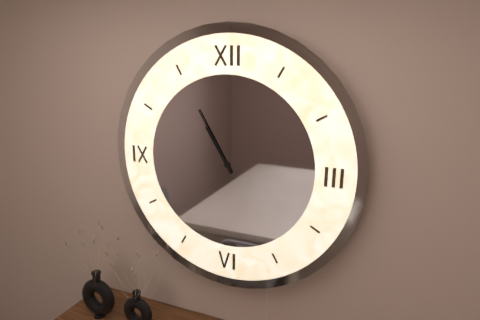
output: h=10 m=55
